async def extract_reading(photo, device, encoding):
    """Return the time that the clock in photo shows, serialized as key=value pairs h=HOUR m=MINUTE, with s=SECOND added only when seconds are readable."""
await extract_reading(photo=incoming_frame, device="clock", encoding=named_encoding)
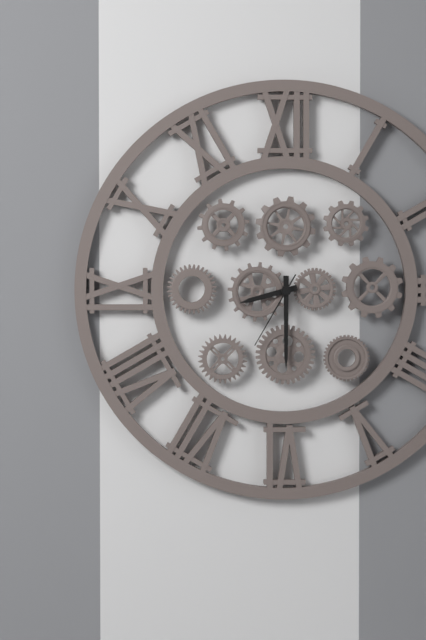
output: h=8 m=30 s=35
